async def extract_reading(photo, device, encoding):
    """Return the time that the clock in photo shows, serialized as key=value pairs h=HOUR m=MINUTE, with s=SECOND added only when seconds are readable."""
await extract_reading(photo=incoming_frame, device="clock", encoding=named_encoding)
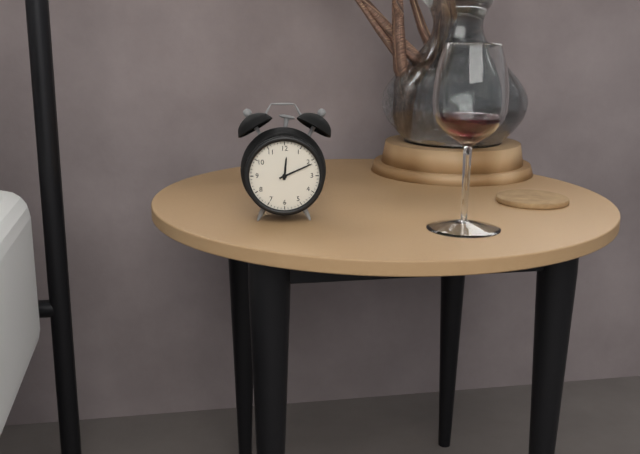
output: h=12 m=11
